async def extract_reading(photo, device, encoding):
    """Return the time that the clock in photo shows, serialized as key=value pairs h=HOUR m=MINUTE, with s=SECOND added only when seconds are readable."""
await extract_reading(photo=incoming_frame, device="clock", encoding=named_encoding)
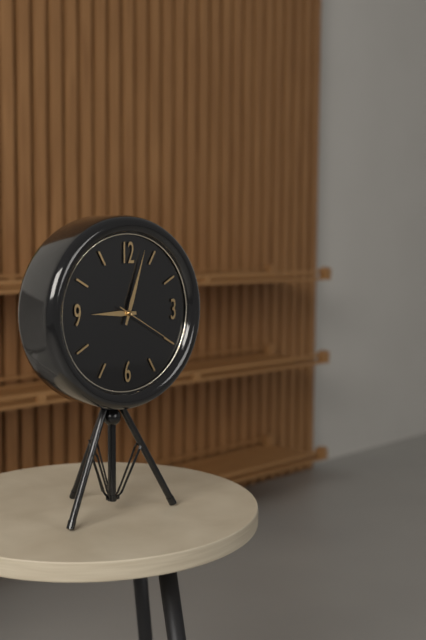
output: h=9 m=3 s=20
